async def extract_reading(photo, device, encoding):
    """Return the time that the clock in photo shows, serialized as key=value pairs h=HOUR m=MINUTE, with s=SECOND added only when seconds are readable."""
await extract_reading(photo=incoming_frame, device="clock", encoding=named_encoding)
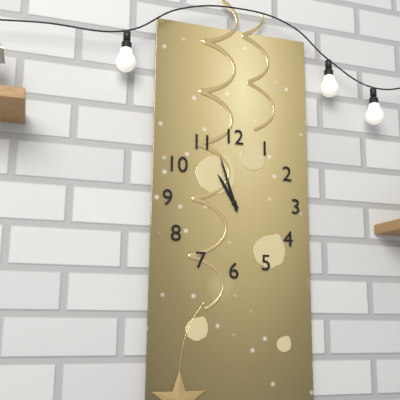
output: h=10 m=57
